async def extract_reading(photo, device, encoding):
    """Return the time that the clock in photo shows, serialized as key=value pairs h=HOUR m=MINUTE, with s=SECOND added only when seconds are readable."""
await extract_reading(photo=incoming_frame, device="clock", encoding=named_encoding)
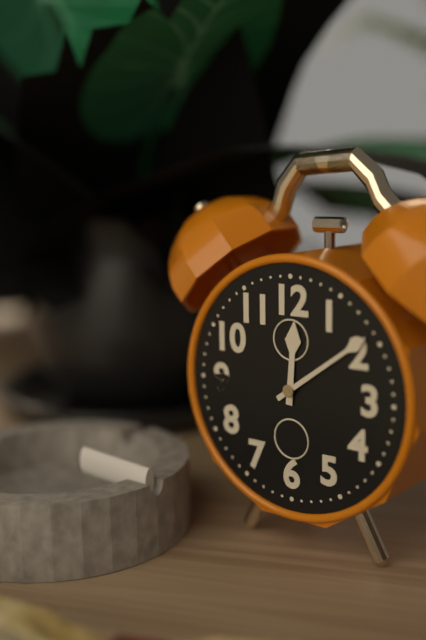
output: h=12 m=9
